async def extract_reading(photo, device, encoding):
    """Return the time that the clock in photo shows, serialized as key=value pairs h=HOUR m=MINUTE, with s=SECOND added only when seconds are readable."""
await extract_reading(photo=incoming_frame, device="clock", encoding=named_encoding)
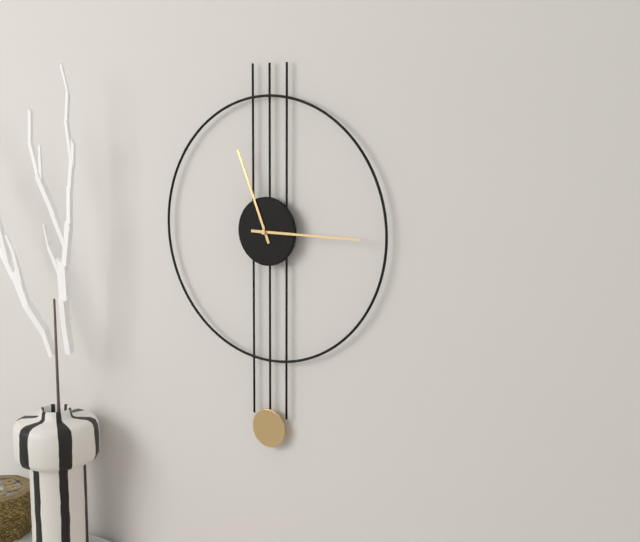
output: h=11 m=15
